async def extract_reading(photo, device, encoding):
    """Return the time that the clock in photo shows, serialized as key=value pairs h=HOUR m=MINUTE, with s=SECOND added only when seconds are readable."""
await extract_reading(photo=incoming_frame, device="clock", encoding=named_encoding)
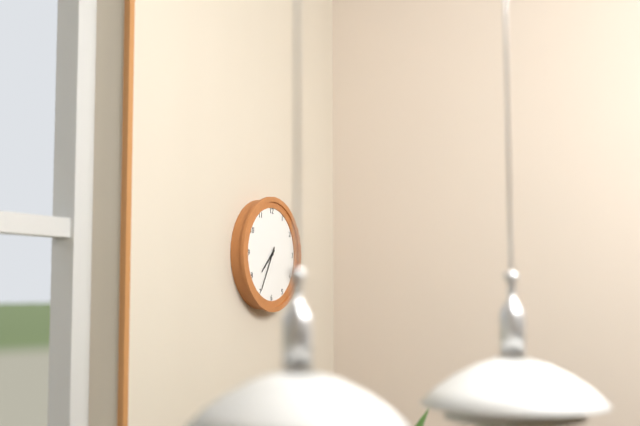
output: h=7 m=35
